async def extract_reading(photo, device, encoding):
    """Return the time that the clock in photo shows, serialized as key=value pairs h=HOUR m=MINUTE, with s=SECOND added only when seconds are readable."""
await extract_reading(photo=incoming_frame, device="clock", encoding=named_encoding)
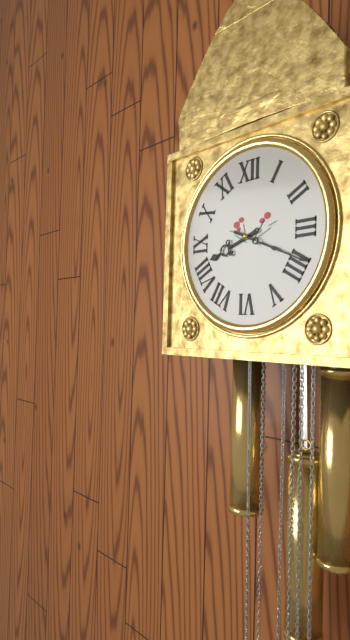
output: h=8 m=19
